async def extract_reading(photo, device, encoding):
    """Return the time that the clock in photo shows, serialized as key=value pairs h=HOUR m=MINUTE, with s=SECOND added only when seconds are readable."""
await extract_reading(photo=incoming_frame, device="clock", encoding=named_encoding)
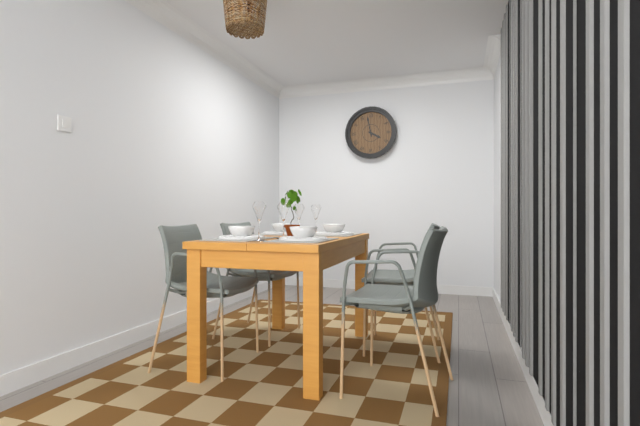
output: h=3 m=58
